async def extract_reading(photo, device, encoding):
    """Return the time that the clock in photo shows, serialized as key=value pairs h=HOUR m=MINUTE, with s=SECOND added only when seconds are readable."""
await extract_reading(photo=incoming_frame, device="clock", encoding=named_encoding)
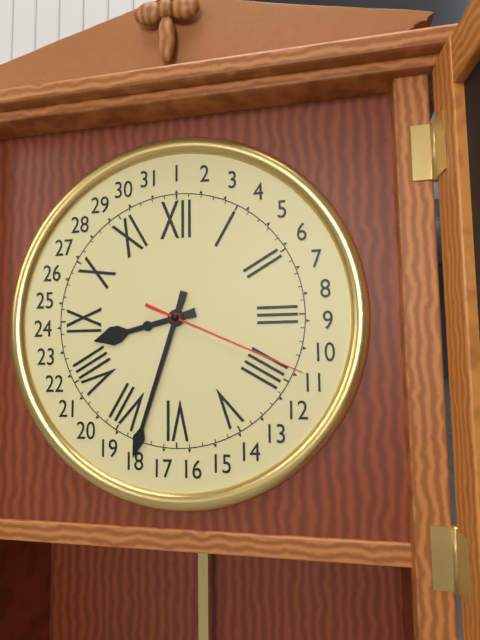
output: h=8 m=33 s=19
